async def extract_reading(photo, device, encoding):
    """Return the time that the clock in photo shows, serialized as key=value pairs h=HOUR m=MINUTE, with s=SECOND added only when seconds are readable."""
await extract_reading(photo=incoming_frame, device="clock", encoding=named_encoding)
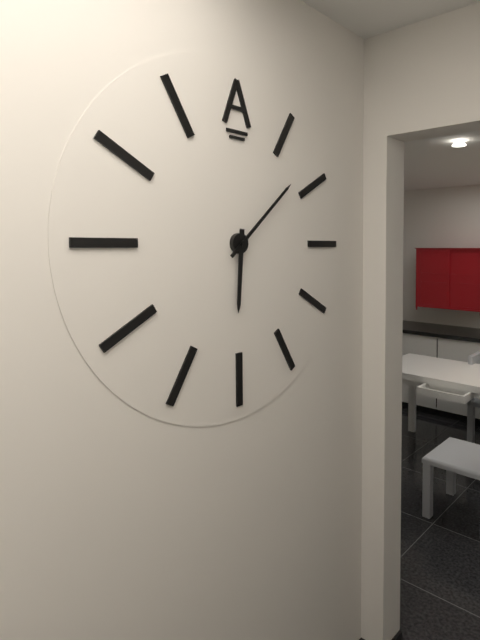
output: h=6 m=8
